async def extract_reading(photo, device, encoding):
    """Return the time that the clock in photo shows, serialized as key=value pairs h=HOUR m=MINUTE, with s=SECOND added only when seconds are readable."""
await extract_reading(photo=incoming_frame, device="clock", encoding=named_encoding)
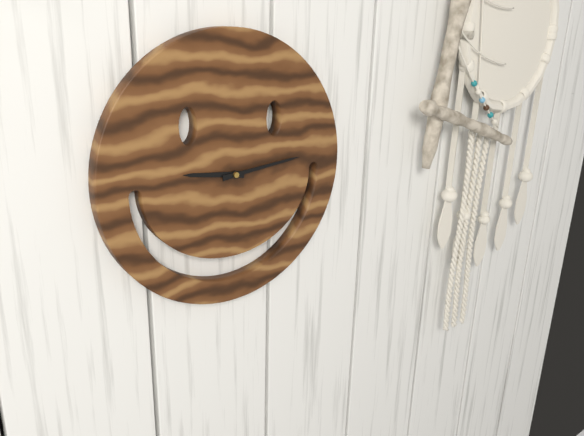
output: h=9 m=14
